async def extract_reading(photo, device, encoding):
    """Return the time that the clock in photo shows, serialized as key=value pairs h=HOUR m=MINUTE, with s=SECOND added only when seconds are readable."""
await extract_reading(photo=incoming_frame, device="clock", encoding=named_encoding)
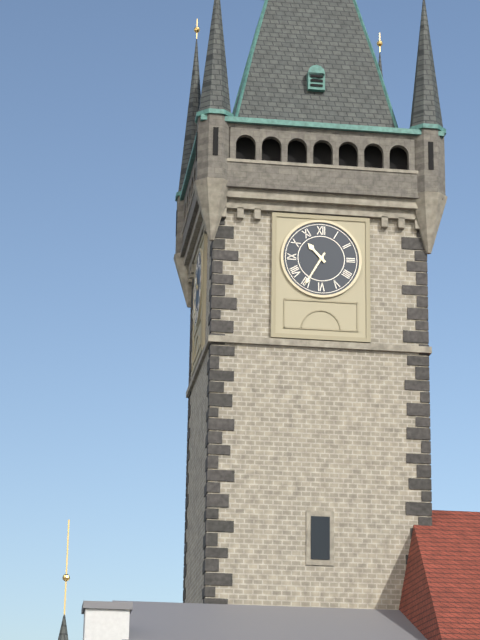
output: h=10 m=35
